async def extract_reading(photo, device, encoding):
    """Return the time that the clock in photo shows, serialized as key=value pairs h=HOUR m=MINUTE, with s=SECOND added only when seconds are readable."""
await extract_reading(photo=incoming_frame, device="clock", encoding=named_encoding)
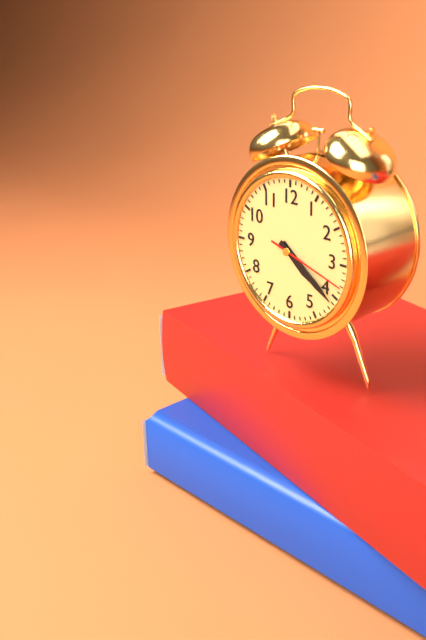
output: h=4 m=21 s=18
